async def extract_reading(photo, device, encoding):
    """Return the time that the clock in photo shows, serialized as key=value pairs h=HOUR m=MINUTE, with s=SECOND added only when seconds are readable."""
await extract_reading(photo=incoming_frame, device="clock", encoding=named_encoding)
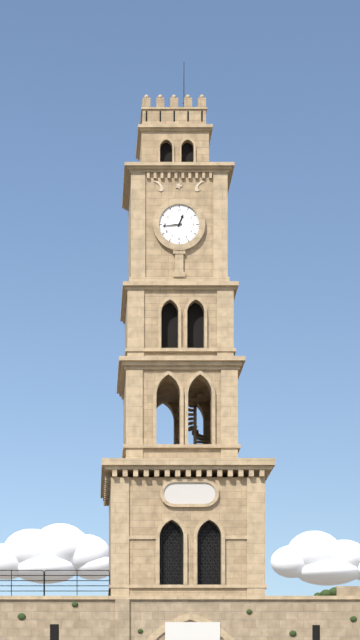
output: h=12 m=44
